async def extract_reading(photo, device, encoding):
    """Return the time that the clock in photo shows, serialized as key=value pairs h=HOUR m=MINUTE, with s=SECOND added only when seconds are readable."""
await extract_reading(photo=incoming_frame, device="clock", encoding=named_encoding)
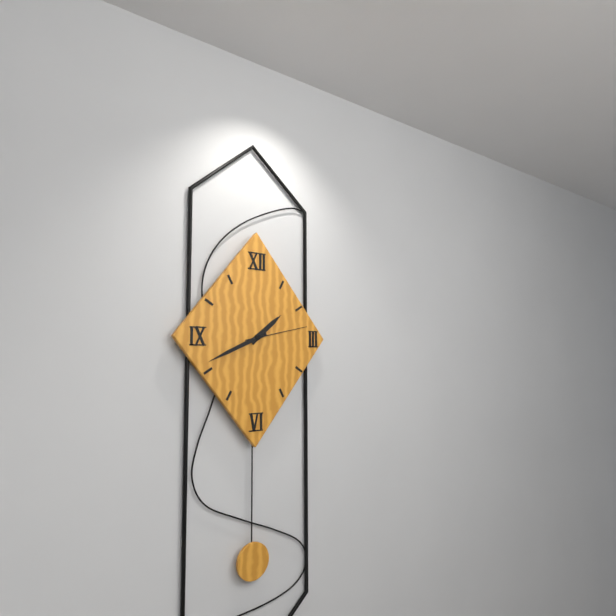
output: h=1 m=41 s=13
